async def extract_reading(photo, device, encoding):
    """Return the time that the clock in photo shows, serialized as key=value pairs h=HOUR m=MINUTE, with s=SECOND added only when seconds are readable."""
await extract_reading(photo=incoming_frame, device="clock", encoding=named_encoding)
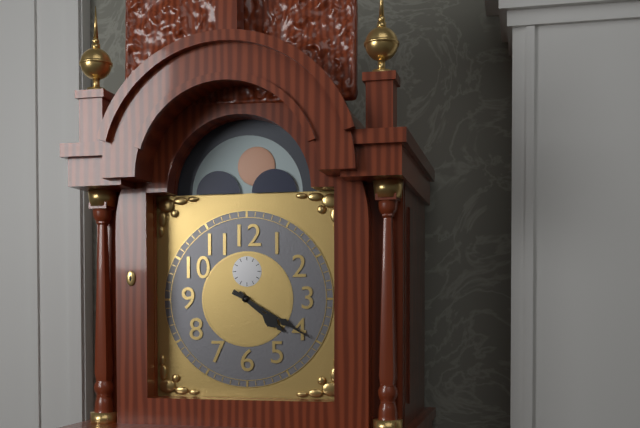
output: h=4 m=20
